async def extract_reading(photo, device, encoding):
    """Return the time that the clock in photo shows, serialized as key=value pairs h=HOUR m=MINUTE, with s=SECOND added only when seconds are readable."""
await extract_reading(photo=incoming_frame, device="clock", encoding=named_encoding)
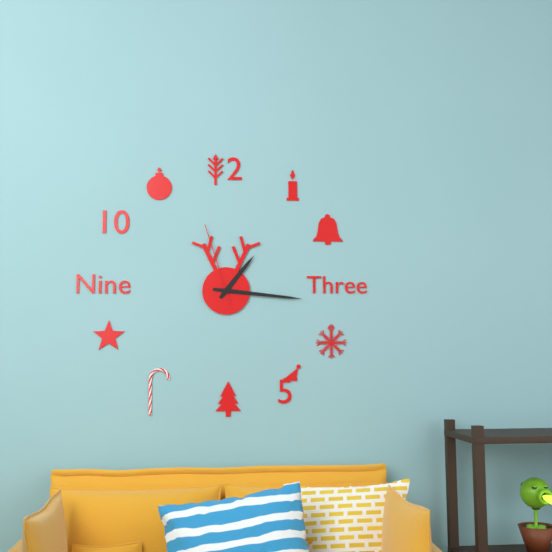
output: h=1 m=16 s=57
